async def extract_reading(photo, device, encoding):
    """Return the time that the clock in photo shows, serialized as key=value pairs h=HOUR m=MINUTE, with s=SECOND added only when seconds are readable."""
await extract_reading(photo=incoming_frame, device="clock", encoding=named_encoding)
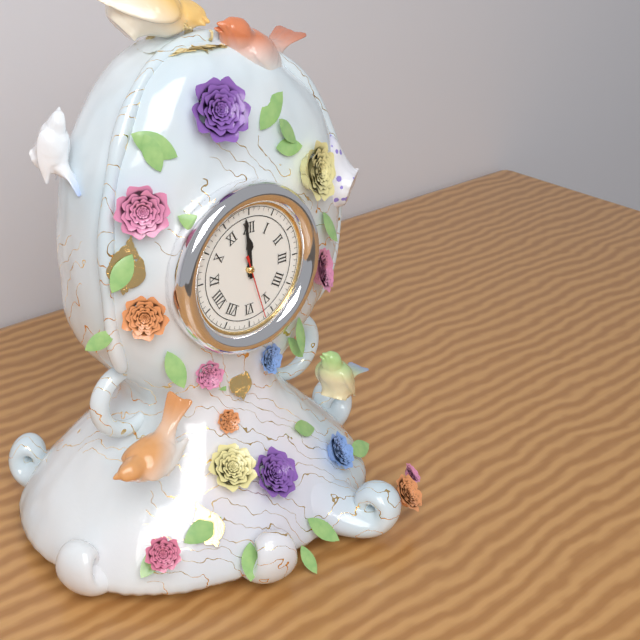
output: h=11 m=59 s=27
